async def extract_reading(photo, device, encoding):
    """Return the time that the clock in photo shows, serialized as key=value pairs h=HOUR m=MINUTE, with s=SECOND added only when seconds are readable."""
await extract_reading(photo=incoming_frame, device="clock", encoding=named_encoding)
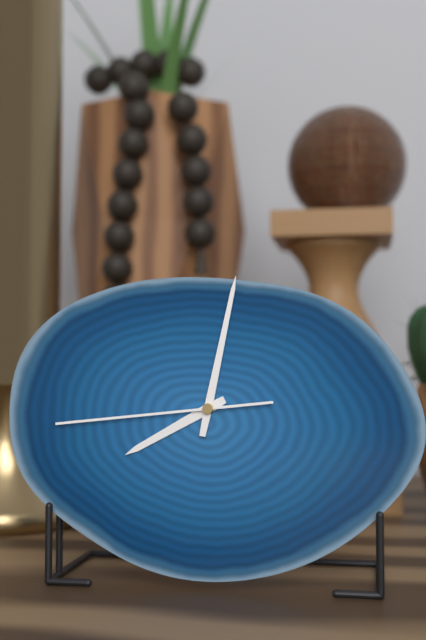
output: h=8 m=2 s=44
